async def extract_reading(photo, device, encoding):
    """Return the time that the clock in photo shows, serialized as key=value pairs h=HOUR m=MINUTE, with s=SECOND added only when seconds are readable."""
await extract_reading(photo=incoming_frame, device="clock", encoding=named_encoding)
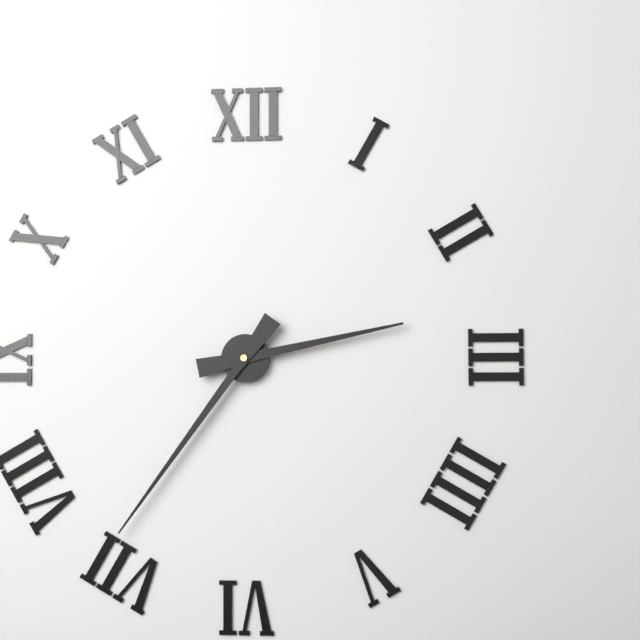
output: h=2 m=36
